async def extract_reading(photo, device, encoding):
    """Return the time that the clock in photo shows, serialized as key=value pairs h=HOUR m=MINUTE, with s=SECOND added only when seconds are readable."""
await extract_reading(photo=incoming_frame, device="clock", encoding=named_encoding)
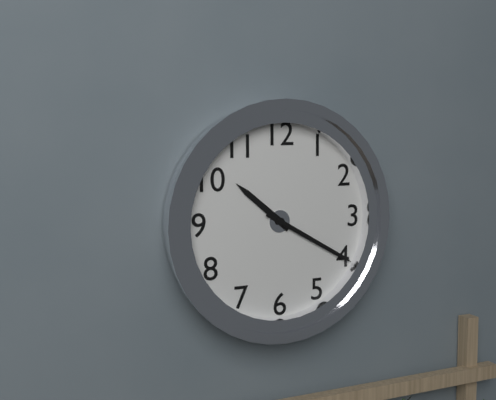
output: h=10 m=20
